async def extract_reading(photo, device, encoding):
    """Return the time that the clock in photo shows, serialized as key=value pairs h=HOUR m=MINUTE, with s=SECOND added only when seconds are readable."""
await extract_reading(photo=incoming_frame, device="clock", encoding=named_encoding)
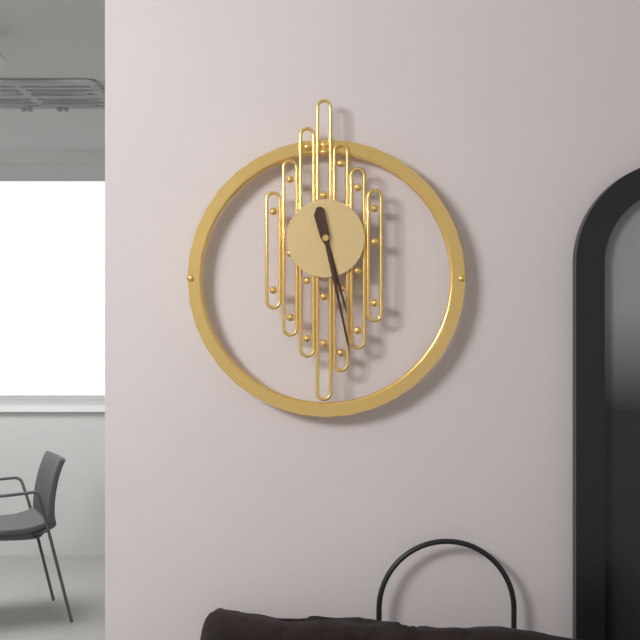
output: h=5 m=28
